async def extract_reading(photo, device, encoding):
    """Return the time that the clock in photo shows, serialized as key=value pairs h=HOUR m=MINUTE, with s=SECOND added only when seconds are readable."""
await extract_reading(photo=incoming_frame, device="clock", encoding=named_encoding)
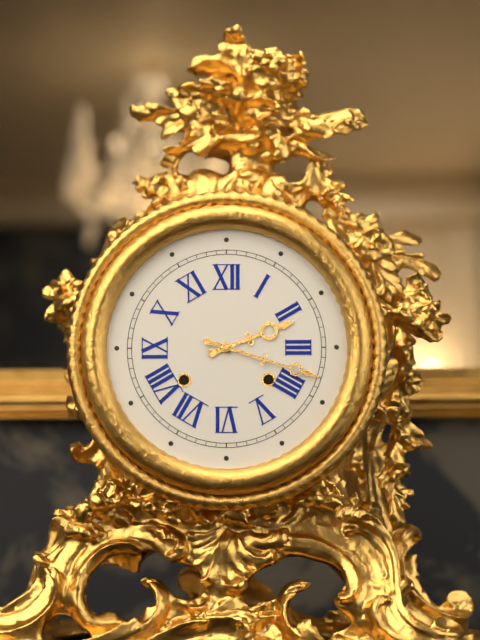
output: h=2 m=18
